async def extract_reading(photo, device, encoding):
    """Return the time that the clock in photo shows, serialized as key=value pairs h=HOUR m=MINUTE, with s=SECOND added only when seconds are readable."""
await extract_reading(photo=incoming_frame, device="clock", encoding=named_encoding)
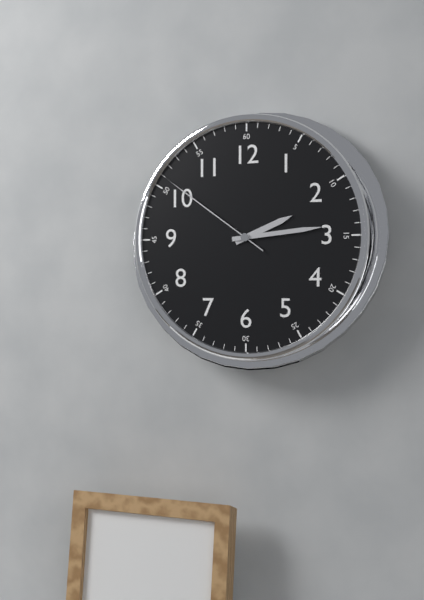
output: h=2 m=14 s=51
